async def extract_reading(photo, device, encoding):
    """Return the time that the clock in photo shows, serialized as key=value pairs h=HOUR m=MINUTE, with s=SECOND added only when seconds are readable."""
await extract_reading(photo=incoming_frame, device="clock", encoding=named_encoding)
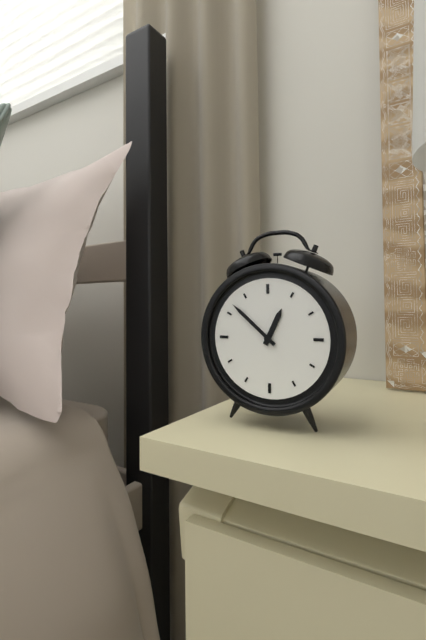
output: h=12 m=52
